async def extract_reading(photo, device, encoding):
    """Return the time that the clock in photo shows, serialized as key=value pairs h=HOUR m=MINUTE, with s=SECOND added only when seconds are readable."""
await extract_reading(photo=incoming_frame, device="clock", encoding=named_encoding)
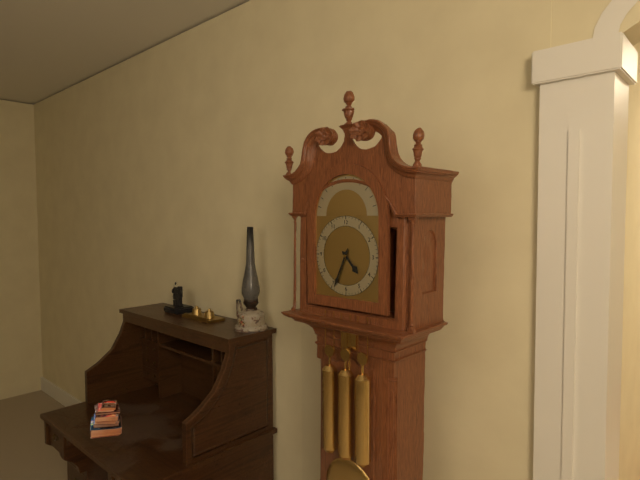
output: h=4 m=34
